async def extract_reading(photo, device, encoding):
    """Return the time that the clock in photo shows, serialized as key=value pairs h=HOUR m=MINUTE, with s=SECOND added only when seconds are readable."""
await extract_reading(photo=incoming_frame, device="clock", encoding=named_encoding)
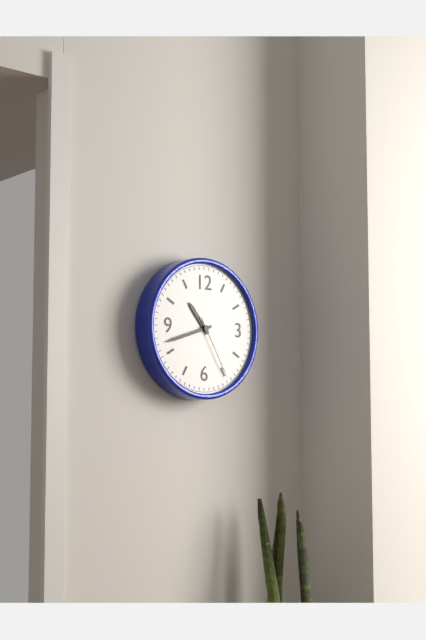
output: h=10 m=42 s=25
